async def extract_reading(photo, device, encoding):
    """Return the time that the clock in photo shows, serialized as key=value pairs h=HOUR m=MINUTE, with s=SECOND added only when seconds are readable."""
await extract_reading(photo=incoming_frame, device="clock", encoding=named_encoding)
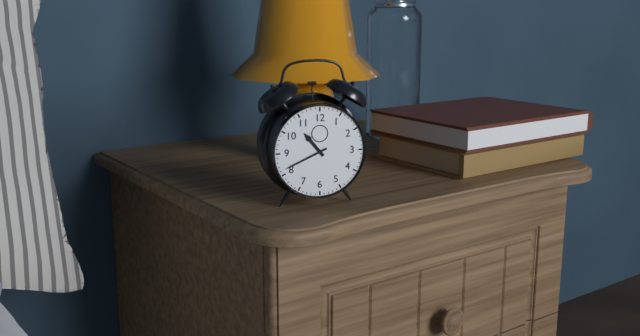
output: h=10 m=41
